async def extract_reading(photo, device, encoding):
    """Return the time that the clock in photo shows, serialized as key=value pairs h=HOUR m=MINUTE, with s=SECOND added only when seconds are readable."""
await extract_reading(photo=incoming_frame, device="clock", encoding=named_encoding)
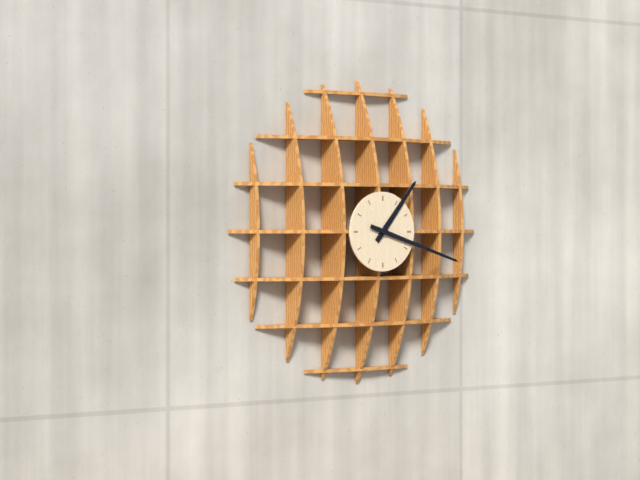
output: h=1 m=18
